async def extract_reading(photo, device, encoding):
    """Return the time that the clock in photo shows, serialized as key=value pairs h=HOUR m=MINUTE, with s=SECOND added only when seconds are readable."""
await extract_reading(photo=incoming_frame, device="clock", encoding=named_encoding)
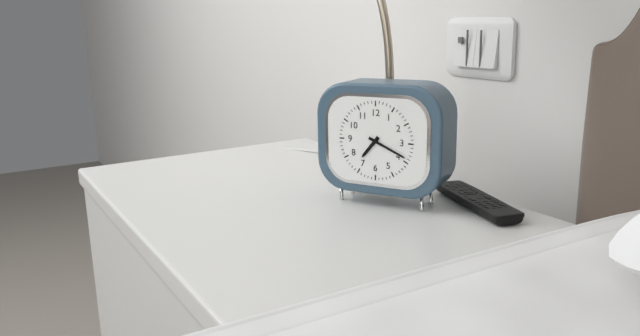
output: h=7 m=19
